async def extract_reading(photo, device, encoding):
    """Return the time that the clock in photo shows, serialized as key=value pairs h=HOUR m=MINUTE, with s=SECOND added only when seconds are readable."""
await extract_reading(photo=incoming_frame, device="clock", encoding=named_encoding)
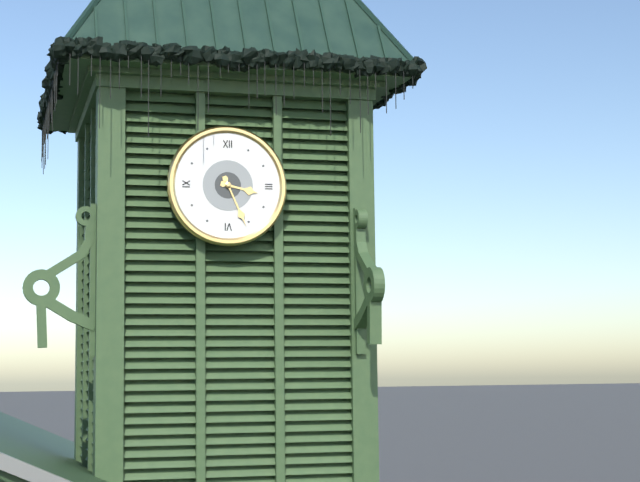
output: h=3 m=26
